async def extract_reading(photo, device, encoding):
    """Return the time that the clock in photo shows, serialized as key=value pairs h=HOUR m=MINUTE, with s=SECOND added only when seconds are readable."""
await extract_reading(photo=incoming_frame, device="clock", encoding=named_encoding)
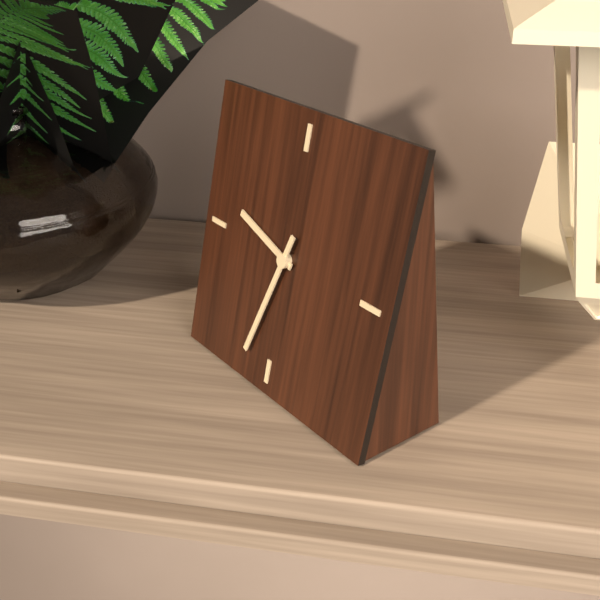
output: h=9 m=33
